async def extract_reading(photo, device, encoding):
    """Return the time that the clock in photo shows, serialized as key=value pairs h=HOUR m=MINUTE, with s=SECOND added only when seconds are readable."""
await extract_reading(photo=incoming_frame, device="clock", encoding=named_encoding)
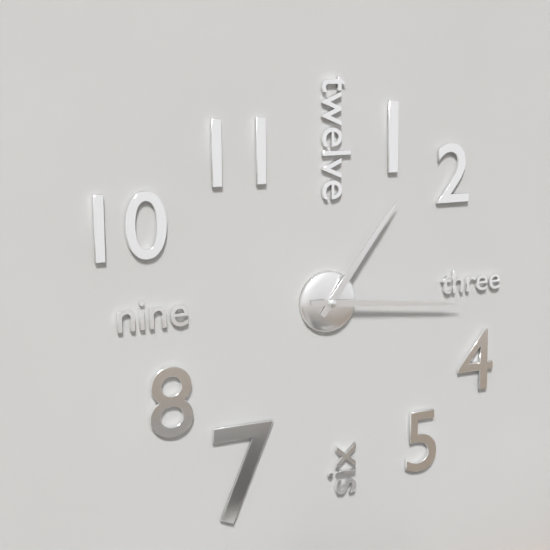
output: h=1 m=16
